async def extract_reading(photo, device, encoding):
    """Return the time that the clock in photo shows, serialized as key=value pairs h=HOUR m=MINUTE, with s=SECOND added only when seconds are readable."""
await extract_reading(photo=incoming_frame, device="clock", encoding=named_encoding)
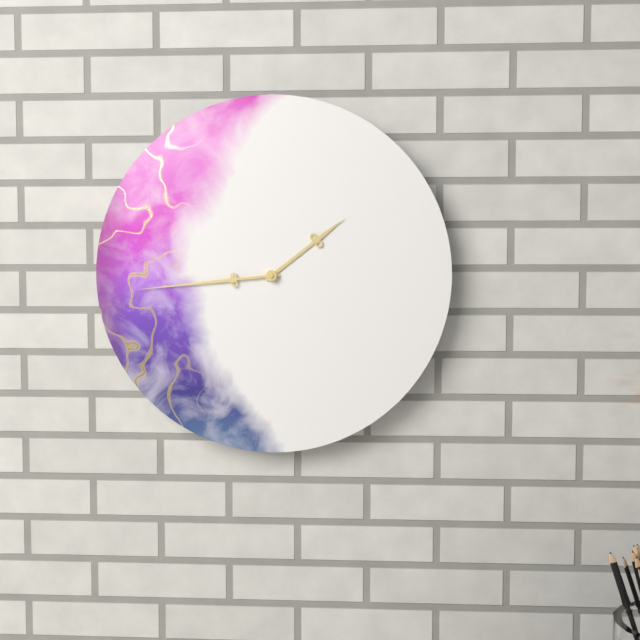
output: h=1 m=44
